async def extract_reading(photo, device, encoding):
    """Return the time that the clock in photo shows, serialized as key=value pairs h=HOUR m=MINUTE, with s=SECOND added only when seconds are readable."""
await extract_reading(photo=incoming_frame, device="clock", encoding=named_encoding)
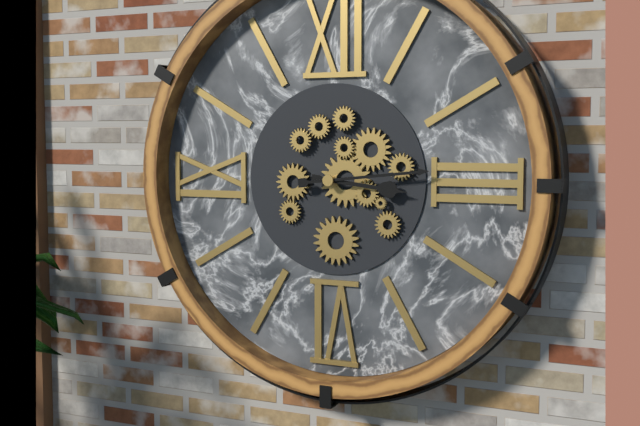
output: h=3 m=14
